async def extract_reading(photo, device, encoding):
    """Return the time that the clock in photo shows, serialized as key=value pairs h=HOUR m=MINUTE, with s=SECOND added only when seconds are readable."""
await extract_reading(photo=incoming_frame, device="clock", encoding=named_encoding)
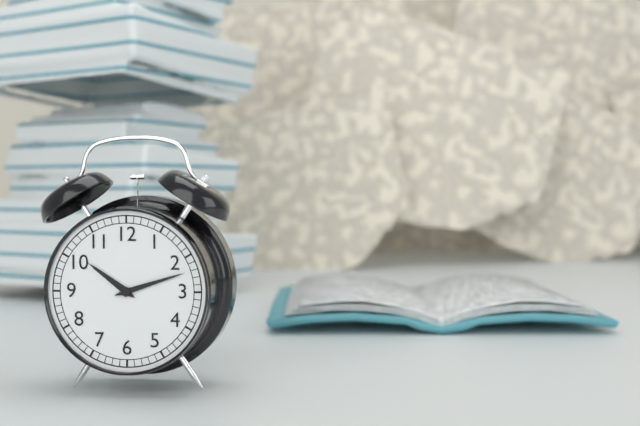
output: h=10 m=12
